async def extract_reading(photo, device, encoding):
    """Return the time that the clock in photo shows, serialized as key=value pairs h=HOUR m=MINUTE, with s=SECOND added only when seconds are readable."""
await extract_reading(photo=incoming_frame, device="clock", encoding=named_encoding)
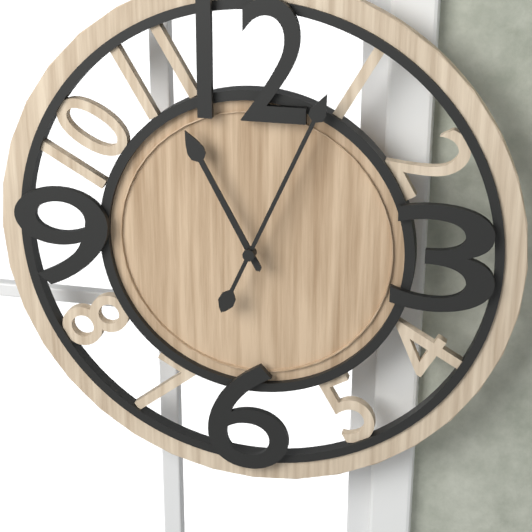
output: h=11 m=4
